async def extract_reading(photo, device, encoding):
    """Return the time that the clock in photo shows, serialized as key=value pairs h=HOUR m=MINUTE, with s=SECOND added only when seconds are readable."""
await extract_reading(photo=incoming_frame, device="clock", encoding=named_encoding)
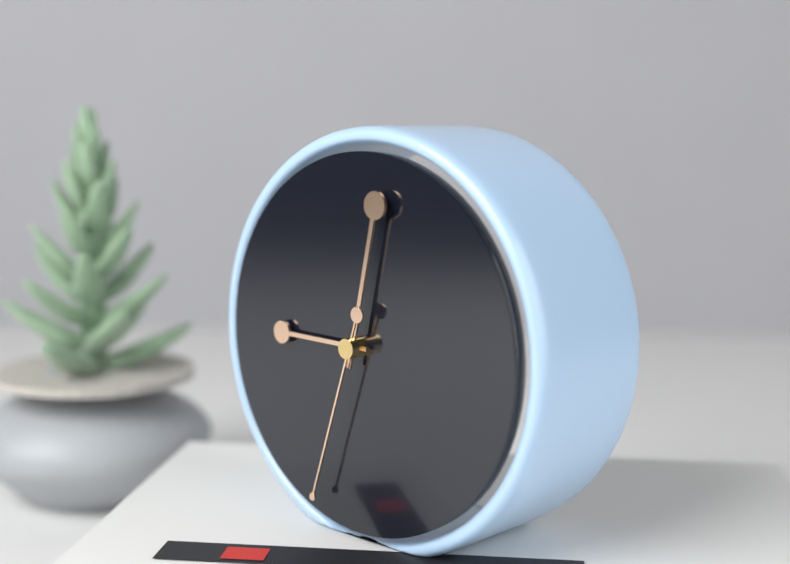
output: h=9 m=2 s=33
